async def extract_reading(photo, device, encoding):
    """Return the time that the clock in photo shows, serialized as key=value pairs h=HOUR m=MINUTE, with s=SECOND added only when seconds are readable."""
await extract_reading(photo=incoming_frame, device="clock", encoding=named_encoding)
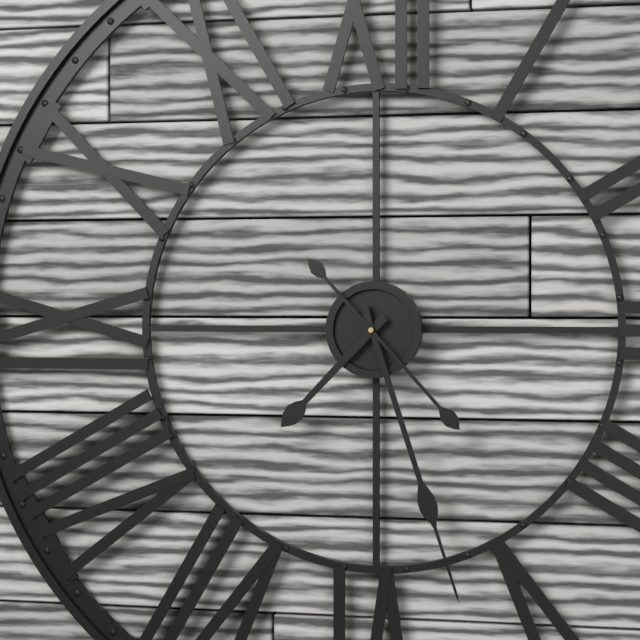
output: h=7 m=27 s=23
